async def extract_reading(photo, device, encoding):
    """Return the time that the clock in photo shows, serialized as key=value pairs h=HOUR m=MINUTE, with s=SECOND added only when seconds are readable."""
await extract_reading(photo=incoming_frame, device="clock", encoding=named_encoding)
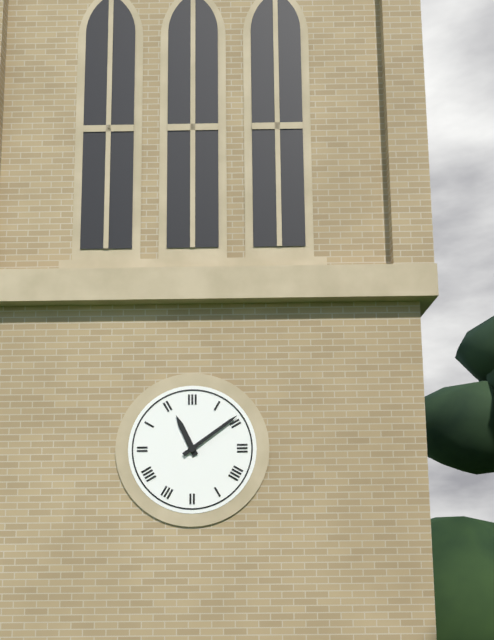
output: h=11 m=9
